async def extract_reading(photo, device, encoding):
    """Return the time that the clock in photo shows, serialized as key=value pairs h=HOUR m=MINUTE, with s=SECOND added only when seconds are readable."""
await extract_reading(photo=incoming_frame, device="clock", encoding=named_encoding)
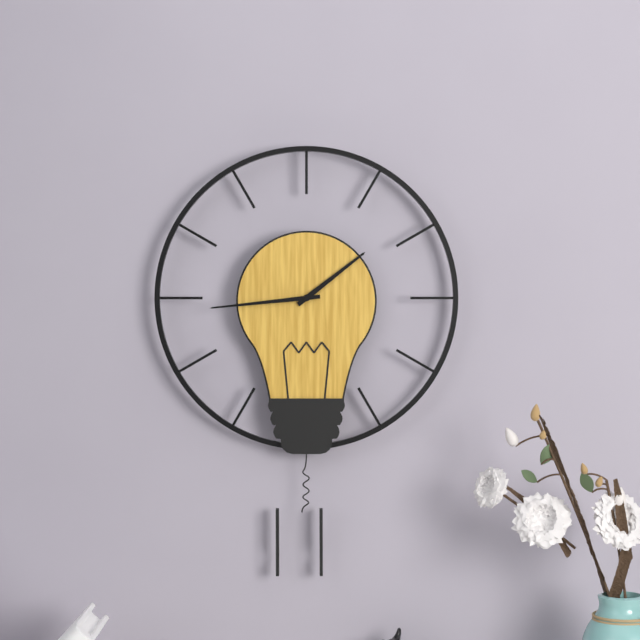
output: h=1 m=44
